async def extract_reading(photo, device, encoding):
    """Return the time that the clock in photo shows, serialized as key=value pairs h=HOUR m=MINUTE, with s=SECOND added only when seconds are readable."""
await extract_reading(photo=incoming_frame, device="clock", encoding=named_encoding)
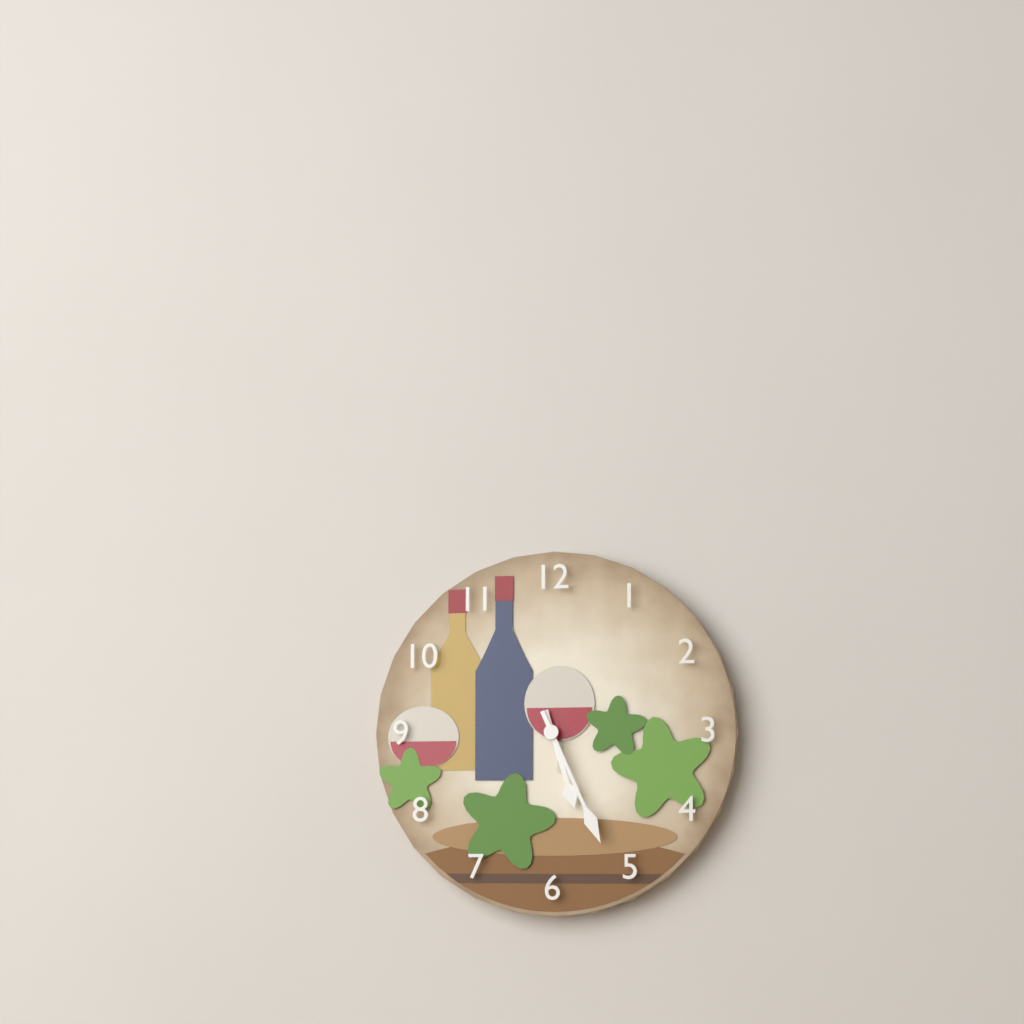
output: h=5 m=26
